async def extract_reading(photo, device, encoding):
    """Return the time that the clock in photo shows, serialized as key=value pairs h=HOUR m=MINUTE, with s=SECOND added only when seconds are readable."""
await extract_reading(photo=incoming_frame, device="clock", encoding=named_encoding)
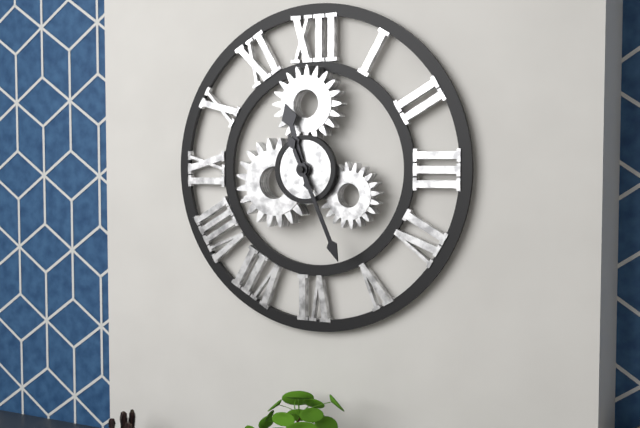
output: h=11 m=26
